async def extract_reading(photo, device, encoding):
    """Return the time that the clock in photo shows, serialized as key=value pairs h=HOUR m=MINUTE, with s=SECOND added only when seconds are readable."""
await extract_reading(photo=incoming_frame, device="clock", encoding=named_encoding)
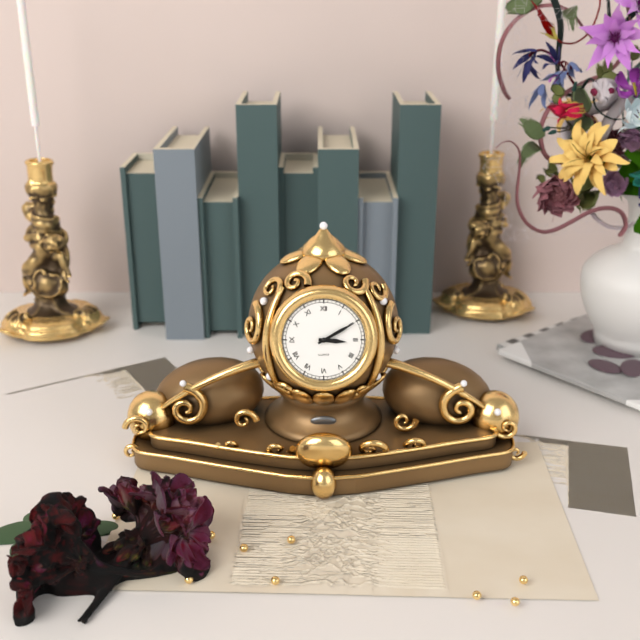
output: h=3 m=10
